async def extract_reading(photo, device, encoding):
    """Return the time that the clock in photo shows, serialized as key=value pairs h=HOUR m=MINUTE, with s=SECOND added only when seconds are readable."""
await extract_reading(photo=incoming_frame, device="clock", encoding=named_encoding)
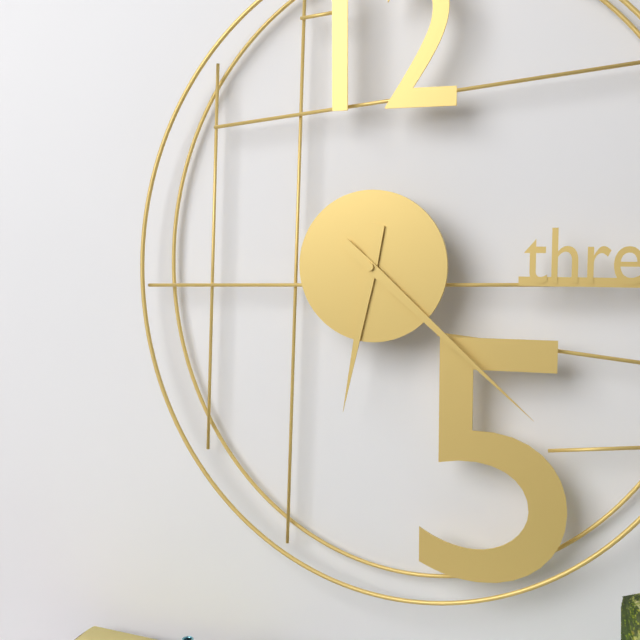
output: h=6 m=22
